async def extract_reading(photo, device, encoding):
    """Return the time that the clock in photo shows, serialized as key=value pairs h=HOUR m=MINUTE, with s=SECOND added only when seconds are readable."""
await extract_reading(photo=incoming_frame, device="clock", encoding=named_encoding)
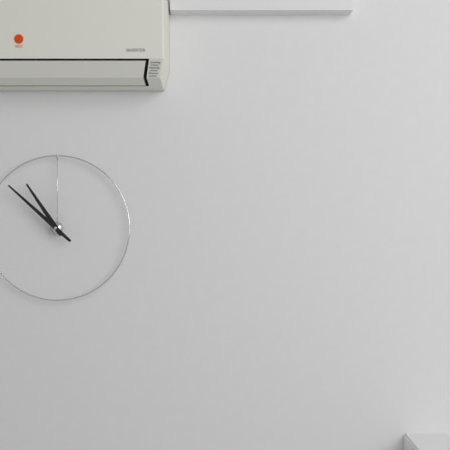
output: h=10 m=52
